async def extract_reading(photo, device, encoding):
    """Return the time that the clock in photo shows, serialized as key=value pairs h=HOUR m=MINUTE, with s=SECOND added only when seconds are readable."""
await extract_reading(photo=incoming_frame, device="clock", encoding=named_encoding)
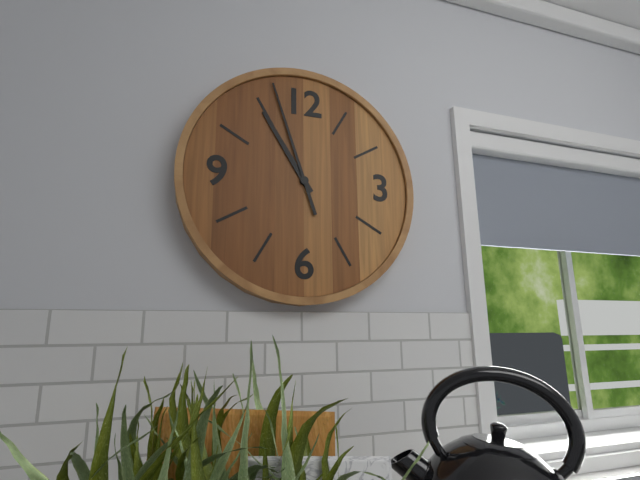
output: h=10 m=57
